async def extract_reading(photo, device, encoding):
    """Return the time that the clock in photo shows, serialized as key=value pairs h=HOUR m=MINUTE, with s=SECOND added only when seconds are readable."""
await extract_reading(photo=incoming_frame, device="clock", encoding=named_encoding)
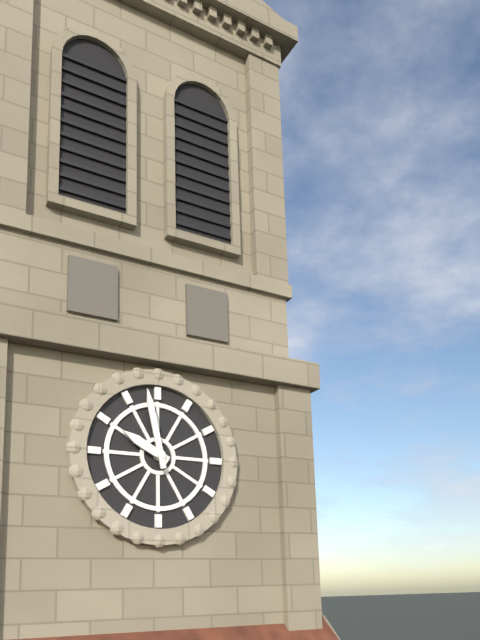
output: h=9 m=58
